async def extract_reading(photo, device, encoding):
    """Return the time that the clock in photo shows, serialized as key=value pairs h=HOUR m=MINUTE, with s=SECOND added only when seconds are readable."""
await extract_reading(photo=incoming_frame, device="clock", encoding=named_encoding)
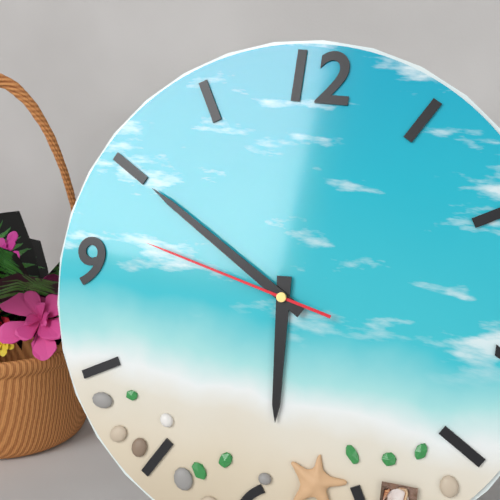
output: h=5 m=50 s=47
